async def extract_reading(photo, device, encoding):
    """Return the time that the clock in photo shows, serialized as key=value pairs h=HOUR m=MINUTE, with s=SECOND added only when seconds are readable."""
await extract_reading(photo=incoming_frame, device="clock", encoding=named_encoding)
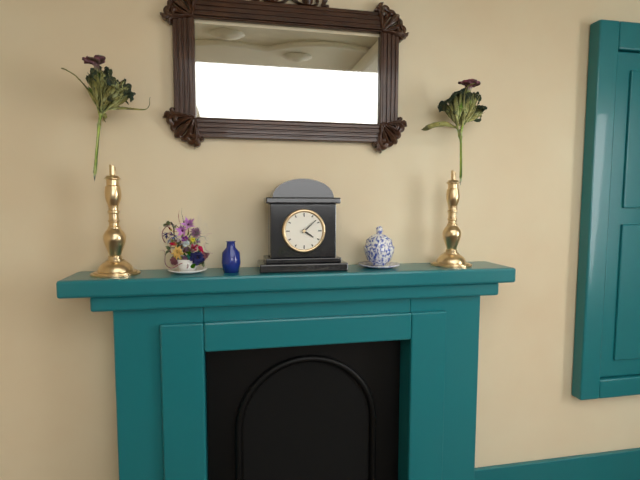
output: h=4 m=8
